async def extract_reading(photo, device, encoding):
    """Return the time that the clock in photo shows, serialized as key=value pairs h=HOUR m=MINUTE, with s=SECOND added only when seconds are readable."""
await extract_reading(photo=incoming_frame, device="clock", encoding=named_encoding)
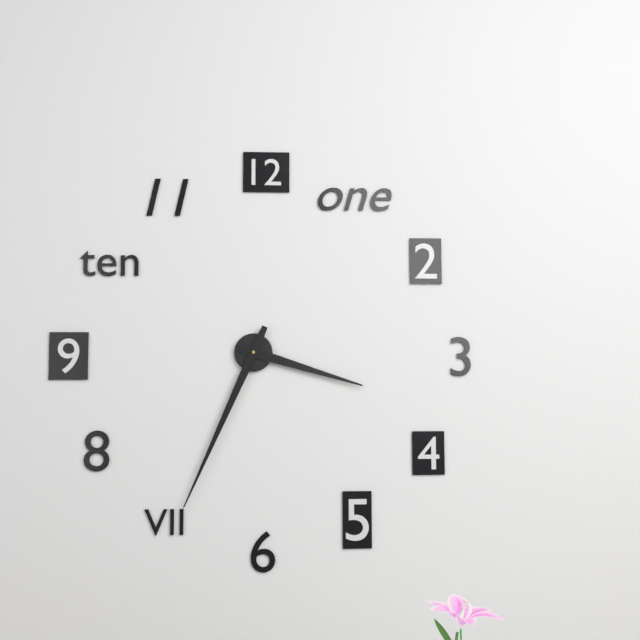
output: h=3 m=34
